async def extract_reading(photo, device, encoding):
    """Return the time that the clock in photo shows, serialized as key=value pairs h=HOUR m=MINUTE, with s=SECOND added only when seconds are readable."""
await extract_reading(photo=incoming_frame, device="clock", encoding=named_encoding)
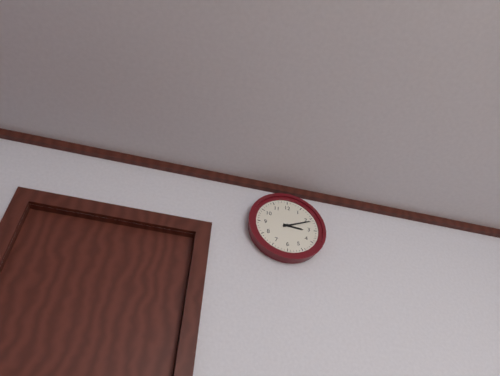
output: h=3 m=11
